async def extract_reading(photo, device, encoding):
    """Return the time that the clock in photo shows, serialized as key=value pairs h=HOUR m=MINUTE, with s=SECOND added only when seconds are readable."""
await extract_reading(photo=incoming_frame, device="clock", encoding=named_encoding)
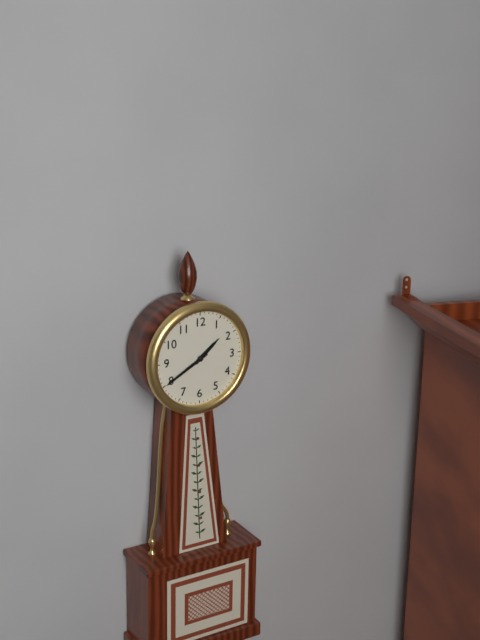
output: h=1 m=40
